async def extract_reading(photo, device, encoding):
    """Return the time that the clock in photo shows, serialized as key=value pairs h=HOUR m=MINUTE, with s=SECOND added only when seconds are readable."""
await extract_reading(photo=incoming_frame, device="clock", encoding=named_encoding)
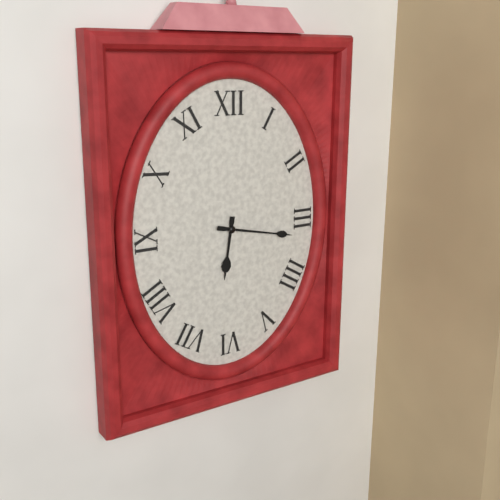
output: h=6 m=17
